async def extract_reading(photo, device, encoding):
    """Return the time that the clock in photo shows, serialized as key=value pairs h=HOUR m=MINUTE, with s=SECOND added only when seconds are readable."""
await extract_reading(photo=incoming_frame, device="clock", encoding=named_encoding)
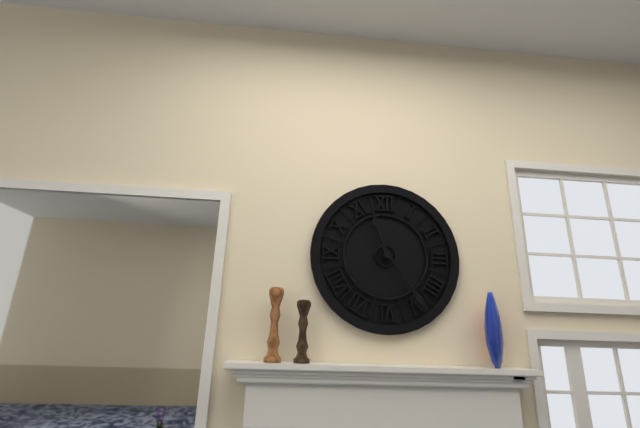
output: h=11 m=24
